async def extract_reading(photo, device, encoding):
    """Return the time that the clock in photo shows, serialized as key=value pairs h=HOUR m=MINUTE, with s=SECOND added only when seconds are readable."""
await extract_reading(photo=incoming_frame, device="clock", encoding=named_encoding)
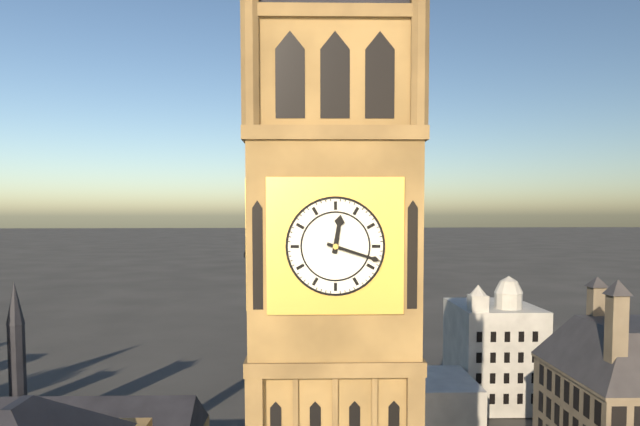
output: h=12 m=18
